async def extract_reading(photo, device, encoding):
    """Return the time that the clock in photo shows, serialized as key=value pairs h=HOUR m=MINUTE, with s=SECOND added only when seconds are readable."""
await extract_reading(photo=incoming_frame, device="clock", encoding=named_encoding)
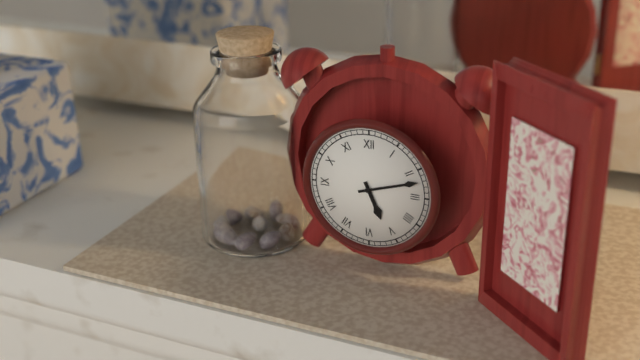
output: h=5 m=12
